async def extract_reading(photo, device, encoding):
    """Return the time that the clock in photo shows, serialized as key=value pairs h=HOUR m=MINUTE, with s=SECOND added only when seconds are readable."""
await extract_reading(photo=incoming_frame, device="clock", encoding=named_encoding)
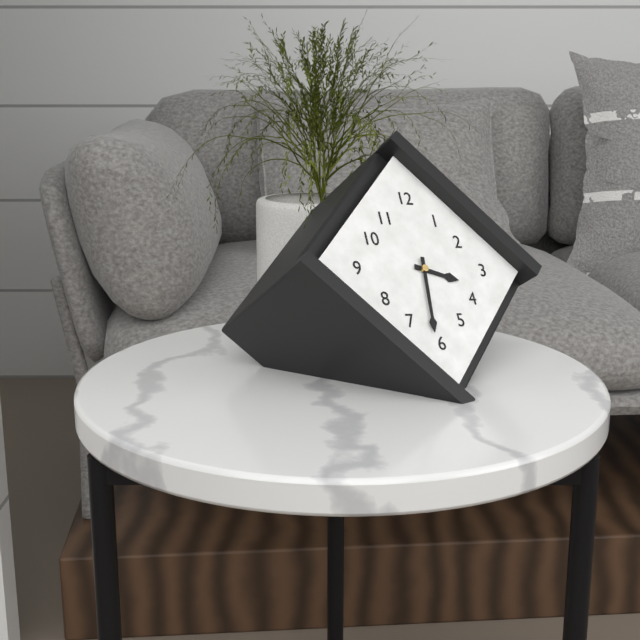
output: h=3 m=31
